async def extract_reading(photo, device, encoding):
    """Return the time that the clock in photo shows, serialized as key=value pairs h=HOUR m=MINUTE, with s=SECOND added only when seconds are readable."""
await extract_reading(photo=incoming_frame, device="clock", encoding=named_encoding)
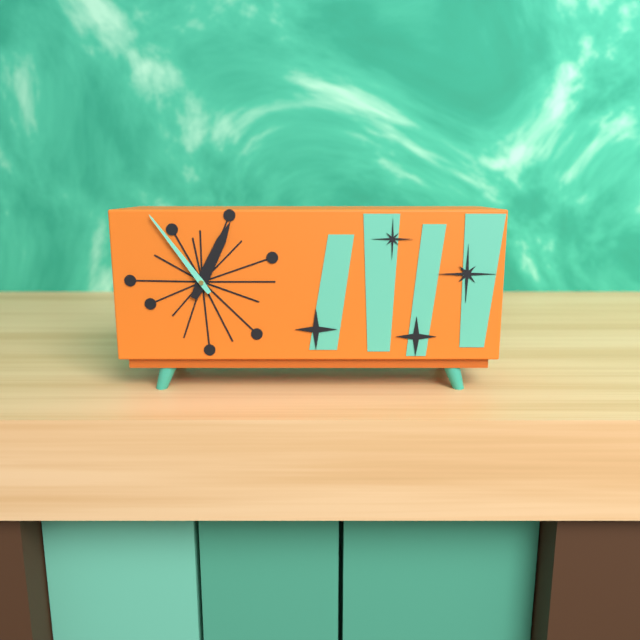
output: h=12 m=54
